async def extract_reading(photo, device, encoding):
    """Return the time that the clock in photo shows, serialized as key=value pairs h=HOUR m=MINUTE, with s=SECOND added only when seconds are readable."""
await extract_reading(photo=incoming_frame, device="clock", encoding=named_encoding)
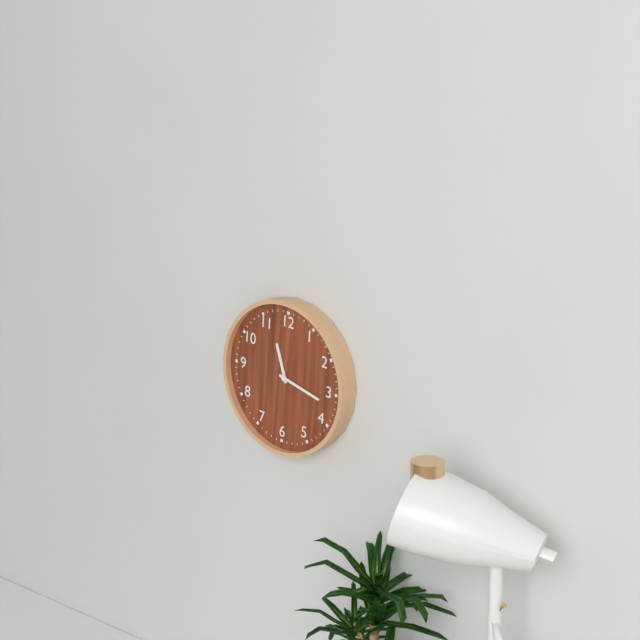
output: h=11 m=17
